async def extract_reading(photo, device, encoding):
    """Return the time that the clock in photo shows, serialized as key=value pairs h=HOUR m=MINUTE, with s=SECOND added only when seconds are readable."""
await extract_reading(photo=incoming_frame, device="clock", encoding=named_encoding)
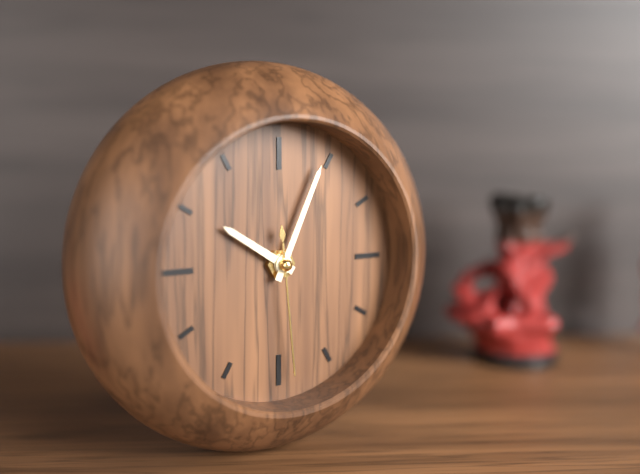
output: h=10 m=4 s=29
